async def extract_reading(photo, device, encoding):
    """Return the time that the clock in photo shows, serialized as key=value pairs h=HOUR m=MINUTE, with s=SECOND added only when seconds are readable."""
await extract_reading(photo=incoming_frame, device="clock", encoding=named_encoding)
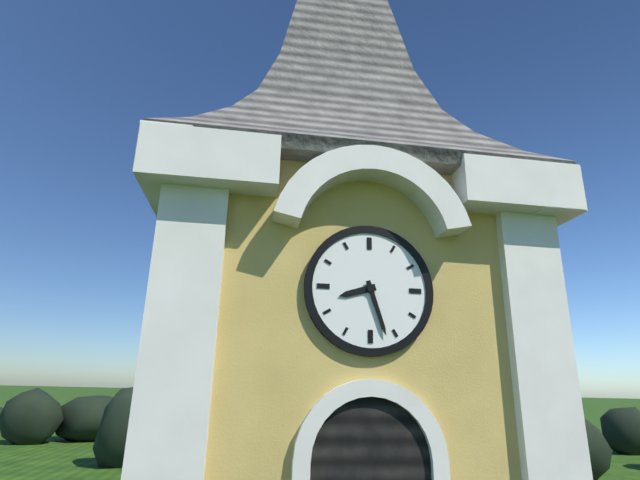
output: h=8 m=27
